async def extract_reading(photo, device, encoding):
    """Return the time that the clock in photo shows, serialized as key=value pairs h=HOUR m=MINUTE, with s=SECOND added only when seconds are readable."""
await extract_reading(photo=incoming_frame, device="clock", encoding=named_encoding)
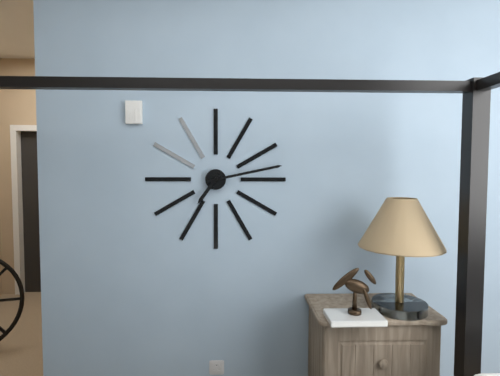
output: h=7 m=13
